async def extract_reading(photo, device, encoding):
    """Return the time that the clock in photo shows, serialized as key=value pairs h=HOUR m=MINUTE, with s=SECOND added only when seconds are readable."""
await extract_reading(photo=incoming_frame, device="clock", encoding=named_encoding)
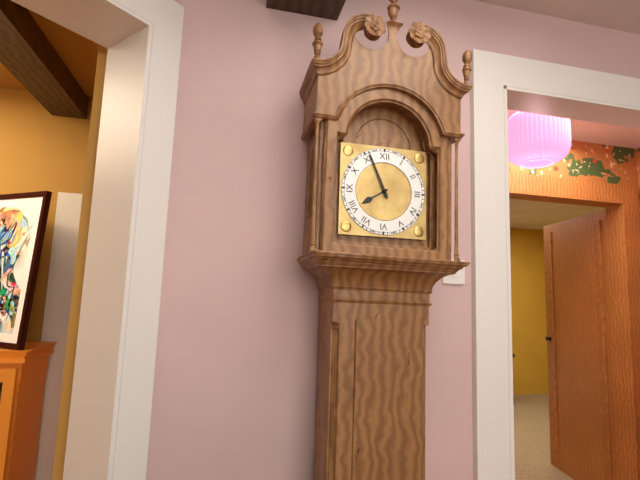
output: h=7 m=56
